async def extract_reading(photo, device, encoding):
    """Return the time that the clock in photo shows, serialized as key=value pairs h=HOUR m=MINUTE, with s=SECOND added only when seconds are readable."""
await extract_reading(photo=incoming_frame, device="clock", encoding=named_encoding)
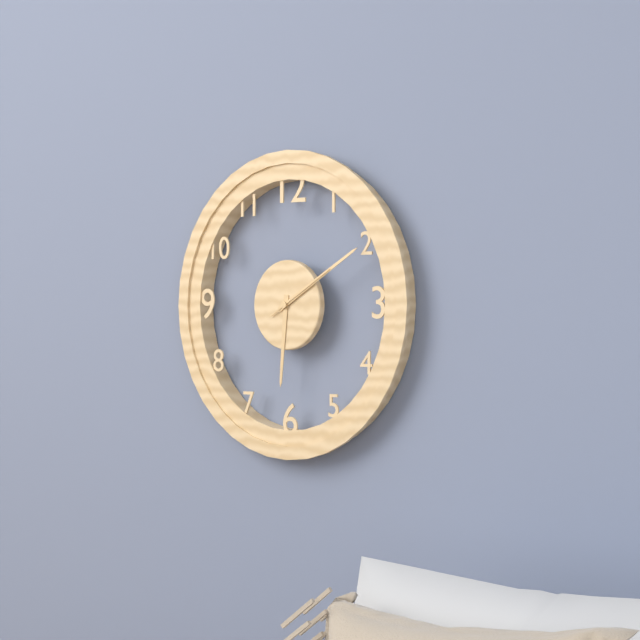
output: h=6 m=10 s=10
